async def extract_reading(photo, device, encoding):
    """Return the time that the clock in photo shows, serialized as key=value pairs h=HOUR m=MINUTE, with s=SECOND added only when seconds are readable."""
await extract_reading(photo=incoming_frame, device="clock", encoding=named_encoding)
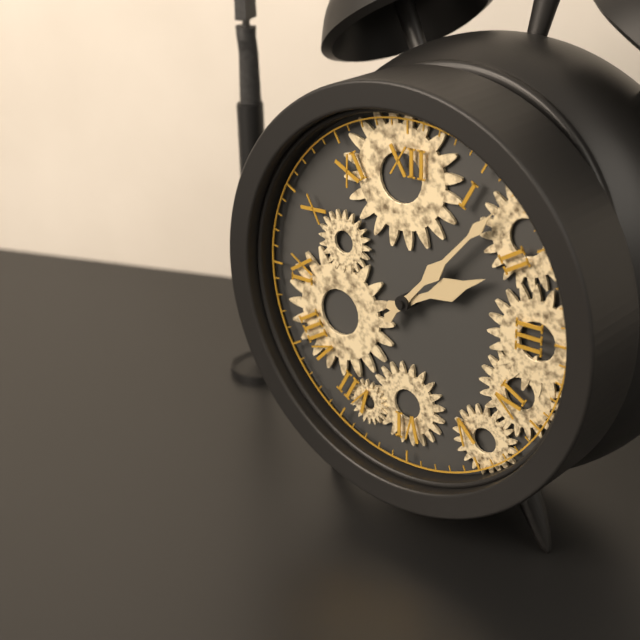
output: h=2 m=7
